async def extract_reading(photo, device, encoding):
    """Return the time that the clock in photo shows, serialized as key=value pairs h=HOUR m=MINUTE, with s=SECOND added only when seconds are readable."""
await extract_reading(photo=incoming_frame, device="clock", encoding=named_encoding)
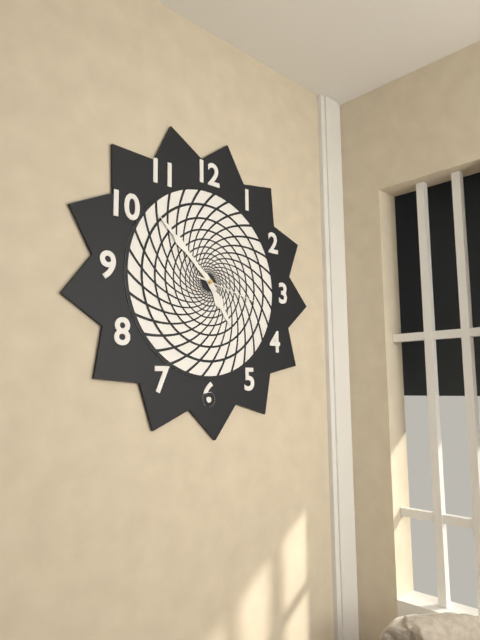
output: h=4 m=52 s=17
